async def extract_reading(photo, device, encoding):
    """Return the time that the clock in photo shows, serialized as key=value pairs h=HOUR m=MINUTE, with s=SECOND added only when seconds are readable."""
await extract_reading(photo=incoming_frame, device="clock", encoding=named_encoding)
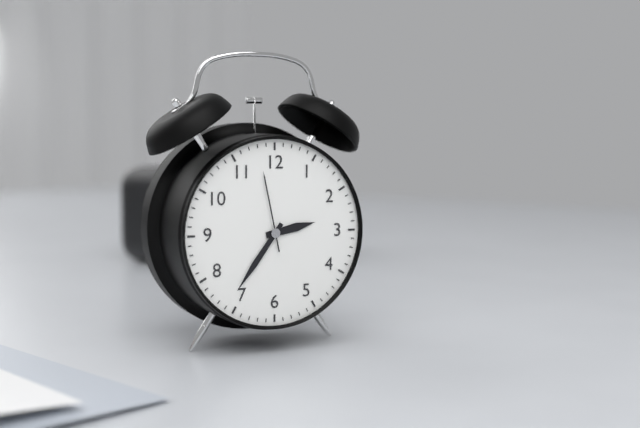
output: h=2 m=36 s=58
